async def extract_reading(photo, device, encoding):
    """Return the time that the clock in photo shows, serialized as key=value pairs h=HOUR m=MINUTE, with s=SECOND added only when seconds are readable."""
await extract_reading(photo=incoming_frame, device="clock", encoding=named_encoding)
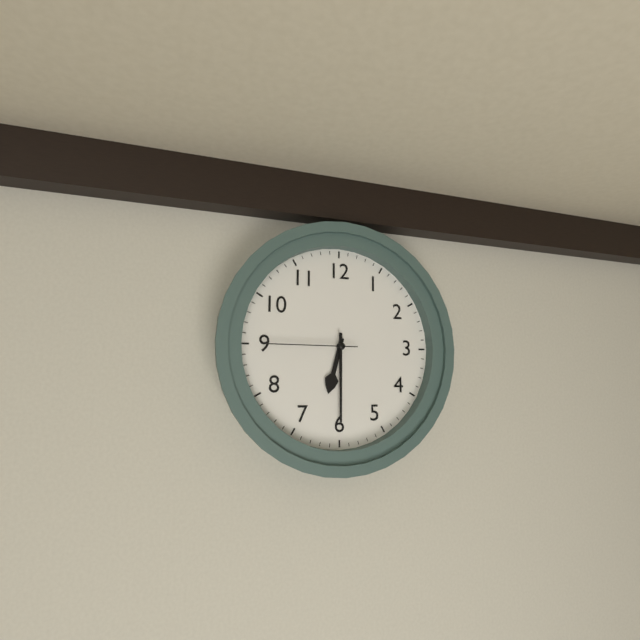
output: h=6 m=30 s=45
